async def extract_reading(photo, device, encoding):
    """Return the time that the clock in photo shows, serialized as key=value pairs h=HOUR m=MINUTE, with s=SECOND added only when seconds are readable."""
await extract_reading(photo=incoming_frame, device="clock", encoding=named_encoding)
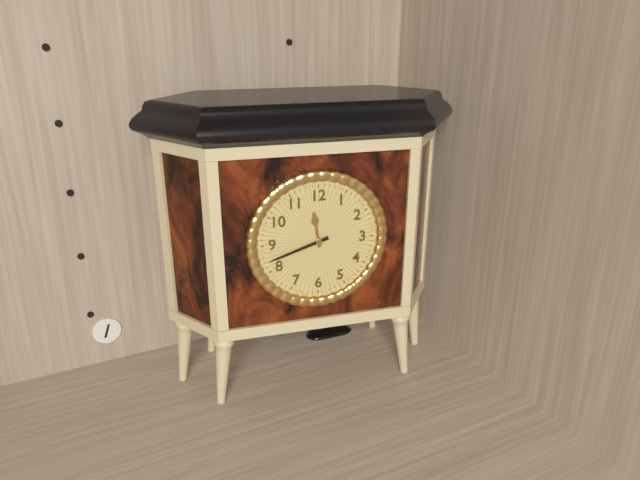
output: h=11 m=42
